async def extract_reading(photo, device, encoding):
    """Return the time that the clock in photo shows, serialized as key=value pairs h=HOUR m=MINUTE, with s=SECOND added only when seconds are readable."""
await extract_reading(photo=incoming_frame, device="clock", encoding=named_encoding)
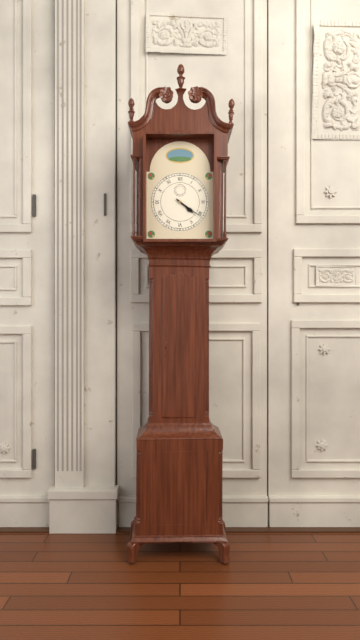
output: h=4 m=21
